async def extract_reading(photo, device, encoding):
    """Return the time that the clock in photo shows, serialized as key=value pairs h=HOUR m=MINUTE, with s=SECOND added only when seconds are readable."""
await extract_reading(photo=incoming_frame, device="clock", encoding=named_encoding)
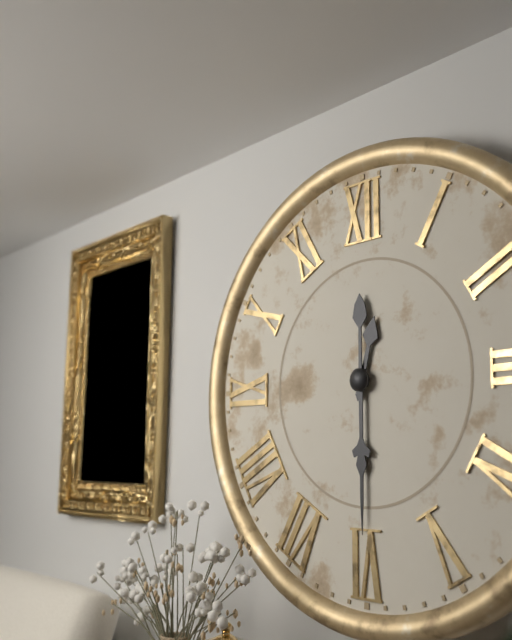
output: h=12 m=30
